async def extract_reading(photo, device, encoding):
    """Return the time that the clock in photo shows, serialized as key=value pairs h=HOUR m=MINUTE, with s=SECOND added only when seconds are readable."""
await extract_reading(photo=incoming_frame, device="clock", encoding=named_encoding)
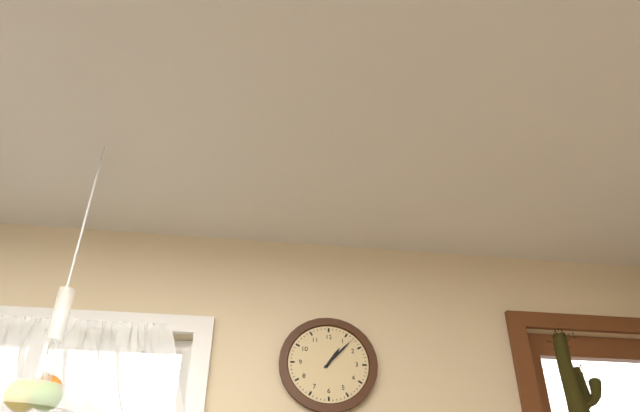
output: h=1 m=7
